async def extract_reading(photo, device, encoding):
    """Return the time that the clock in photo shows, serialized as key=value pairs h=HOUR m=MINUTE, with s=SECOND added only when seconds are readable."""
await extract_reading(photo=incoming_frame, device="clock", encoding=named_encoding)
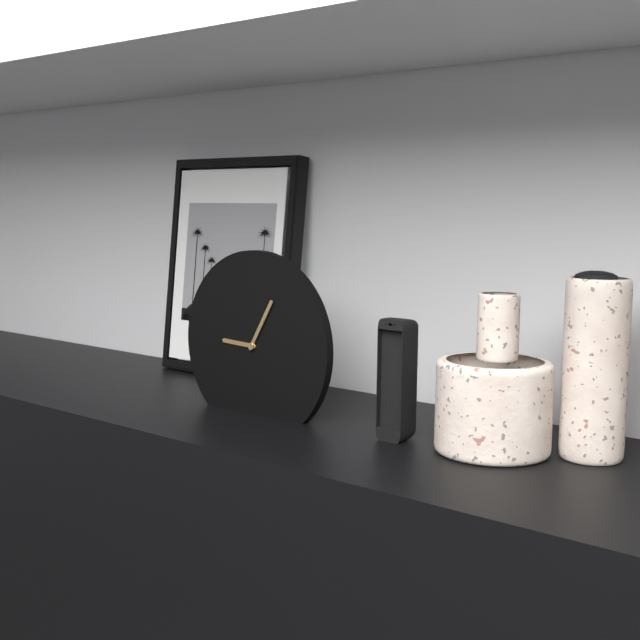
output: h=9 m=5
